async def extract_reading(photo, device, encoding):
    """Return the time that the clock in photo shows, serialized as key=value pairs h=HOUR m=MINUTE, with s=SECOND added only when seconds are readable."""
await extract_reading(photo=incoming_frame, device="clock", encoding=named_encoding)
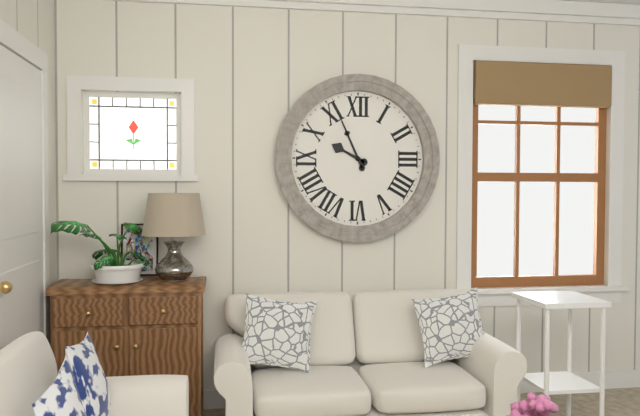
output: h=9 m=56
